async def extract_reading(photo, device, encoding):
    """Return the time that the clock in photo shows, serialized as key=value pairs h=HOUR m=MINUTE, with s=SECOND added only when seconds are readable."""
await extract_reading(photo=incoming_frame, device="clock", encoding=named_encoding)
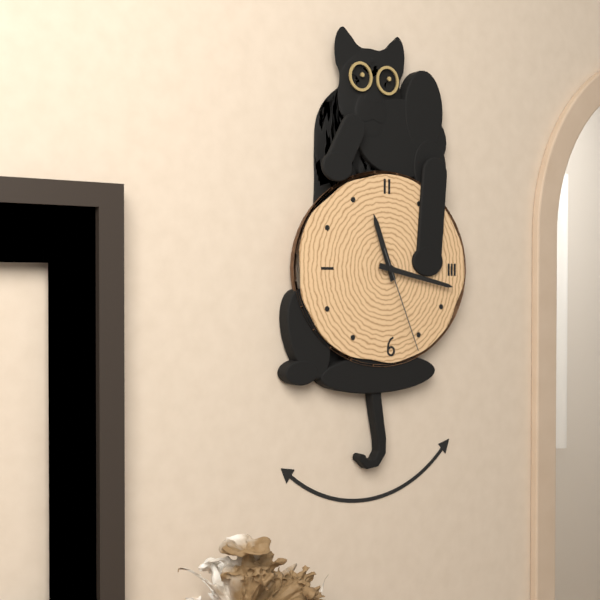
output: h=11 m=17 s=26
